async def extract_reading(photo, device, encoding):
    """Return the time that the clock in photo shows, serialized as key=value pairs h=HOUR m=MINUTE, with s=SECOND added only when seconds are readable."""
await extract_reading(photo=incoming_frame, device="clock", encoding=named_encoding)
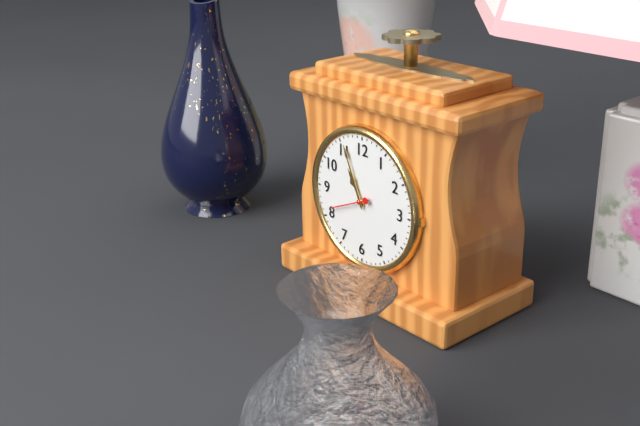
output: h=10 m=56
